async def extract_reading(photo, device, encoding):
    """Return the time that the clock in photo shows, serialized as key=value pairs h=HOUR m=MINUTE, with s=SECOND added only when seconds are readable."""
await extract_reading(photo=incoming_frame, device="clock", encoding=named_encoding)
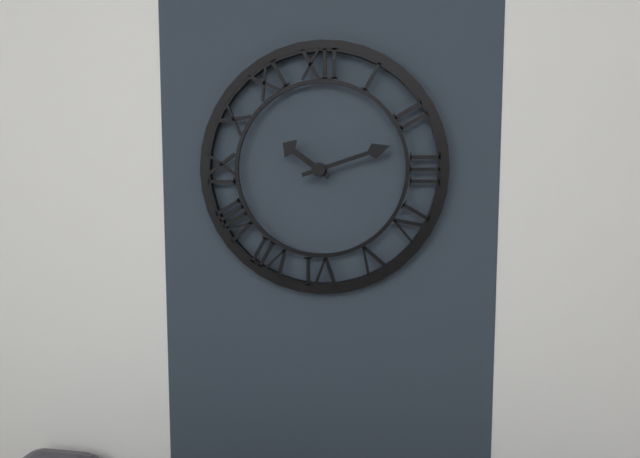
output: h=10 m=12
